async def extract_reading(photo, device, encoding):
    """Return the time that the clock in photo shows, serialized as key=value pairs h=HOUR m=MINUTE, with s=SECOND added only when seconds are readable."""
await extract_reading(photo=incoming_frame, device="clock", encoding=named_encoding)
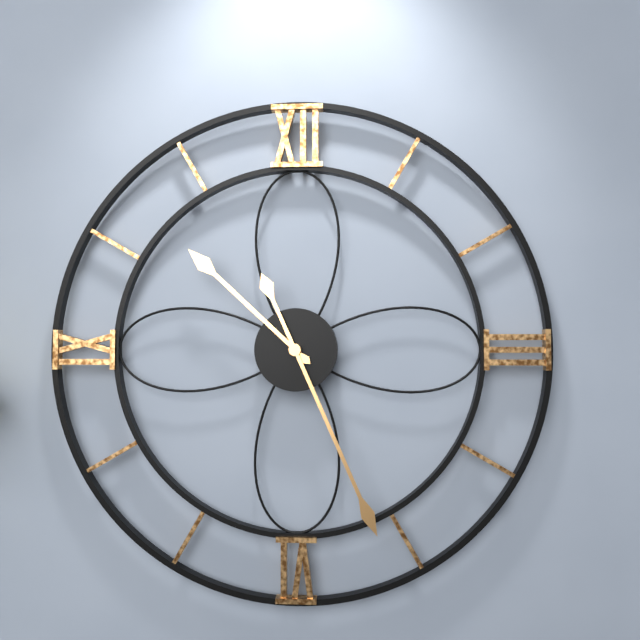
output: h=10 m=26
